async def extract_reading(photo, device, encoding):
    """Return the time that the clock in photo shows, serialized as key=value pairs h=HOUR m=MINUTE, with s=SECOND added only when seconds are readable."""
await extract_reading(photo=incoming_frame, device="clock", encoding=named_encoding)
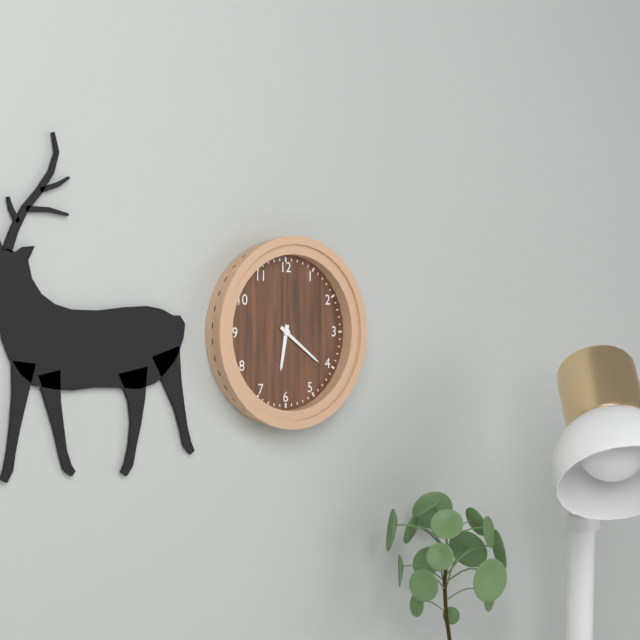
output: h=6 m=21
